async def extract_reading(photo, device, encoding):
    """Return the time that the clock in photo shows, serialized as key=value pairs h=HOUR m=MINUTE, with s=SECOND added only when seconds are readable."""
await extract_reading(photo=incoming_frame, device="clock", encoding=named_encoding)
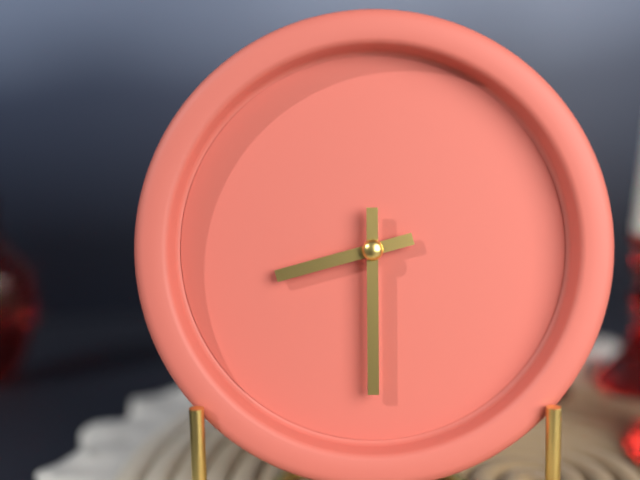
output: h=8 m=30
